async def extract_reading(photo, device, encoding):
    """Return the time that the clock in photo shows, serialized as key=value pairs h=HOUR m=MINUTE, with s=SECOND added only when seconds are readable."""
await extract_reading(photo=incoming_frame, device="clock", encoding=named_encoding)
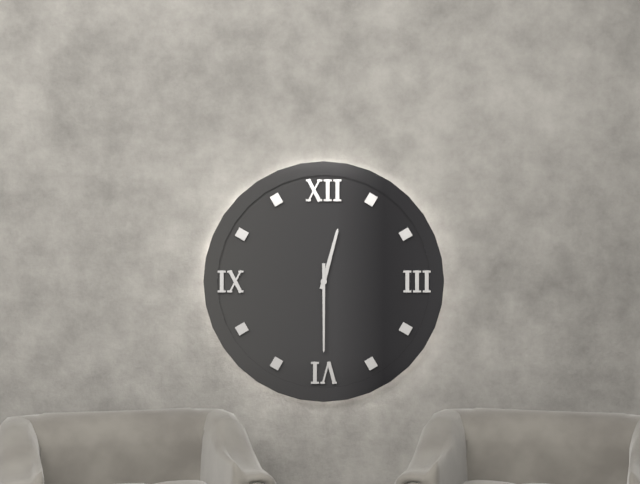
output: h=12 m=30
